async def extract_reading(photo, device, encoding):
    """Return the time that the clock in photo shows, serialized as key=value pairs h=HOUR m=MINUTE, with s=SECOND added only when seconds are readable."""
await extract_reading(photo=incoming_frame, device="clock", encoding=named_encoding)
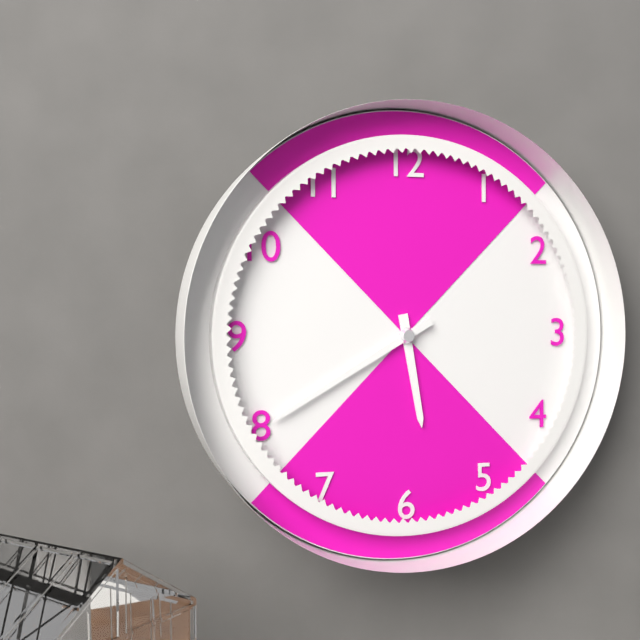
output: h=5 m=40
